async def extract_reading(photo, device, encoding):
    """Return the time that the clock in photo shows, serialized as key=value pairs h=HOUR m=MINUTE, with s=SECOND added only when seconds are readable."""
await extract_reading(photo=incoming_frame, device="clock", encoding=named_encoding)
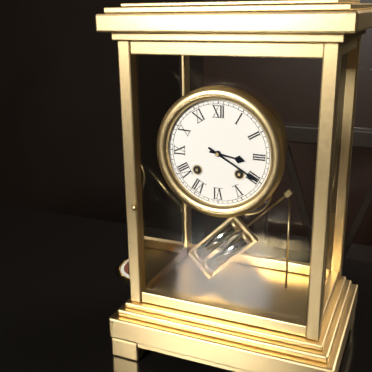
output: h=3 m=20
